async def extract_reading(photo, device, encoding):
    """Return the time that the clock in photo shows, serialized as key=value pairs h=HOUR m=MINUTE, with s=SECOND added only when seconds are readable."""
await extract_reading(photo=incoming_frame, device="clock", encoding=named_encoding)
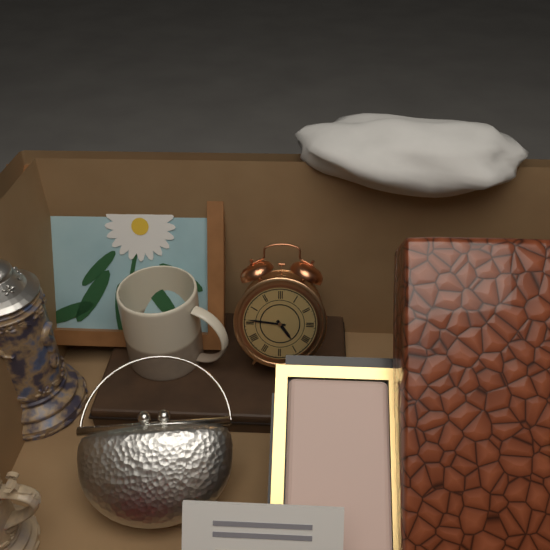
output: h=4 m=46
